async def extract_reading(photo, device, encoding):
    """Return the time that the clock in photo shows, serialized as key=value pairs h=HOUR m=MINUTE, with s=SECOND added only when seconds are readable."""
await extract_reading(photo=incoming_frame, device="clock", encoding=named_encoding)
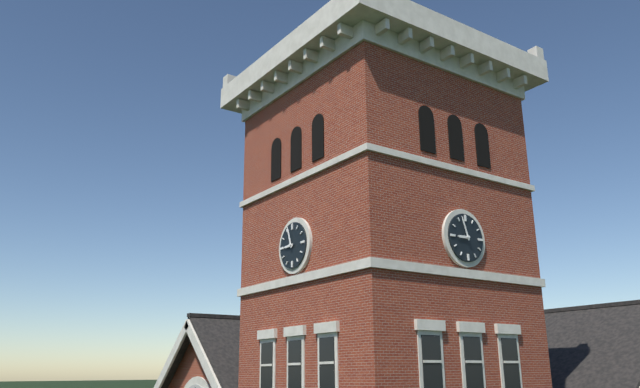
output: h=8 m=57
